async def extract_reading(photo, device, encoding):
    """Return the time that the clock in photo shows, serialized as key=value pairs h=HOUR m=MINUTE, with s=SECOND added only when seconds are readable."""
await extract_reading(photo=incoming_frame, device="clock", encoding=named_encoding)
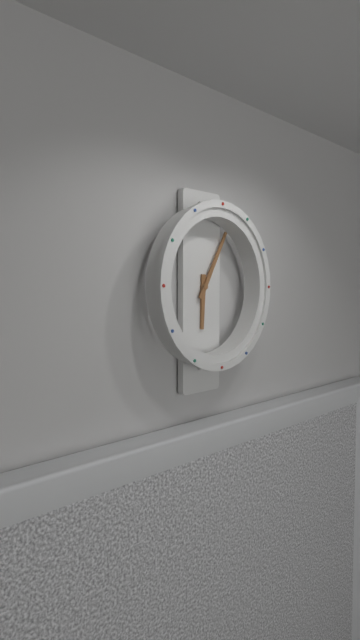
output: h=6 m=5
